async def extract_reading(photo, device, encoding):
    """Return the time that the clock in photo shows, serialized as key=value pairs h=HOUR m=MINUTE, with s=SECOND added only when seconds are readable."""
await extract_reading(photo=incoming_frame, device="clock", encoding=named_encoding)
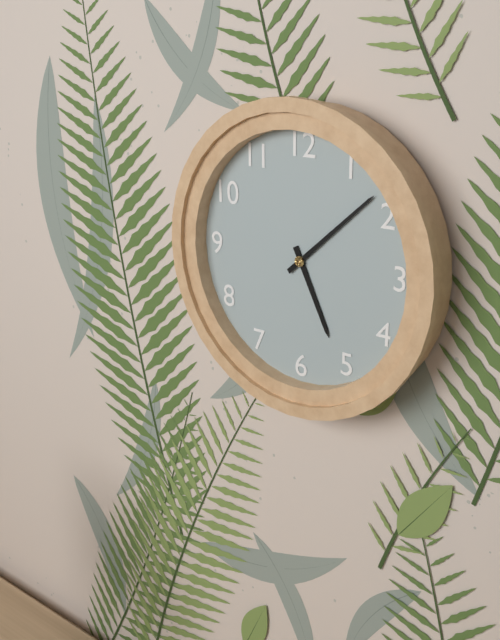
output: h=5 m=8
